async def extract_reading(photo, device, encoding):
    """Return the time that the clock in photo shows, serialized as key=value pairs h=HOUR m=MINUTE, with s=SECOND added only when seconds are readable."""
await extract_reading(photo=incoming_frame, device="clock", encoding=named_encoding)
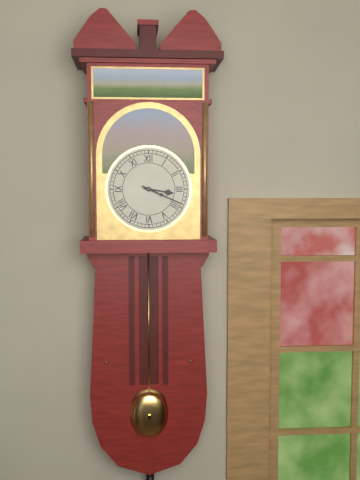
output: h=3 m=19
